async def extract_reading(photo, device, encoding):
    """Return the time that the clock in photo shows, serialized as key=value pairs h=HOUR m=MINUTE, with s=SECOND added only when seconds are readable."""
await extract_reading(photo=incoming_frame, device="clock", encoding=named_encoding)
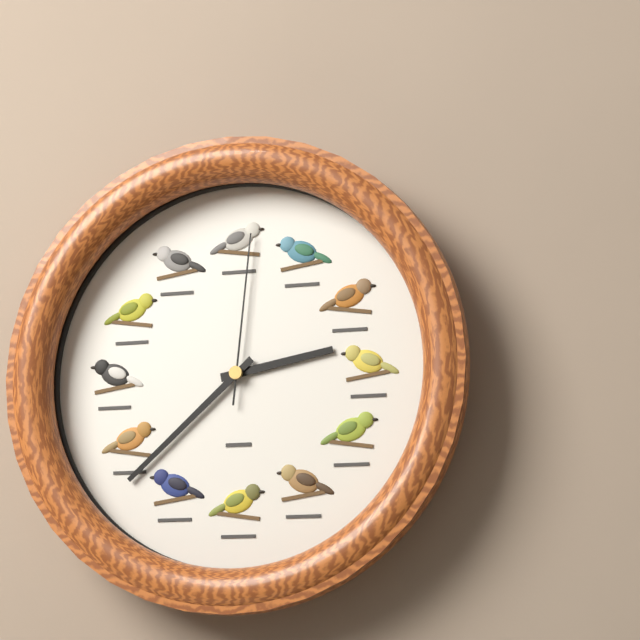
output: h=2 m=38 s=1
